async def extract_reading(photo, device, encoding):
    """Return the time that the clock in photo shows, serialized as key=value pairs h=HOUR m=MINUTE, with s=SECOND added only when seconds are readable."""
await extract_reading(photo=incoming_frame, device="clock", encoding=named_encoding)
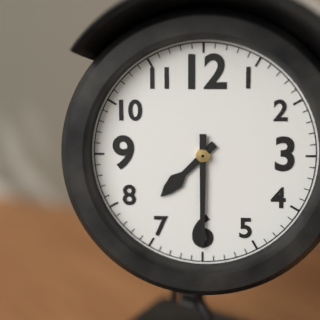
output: h=7 m=30
